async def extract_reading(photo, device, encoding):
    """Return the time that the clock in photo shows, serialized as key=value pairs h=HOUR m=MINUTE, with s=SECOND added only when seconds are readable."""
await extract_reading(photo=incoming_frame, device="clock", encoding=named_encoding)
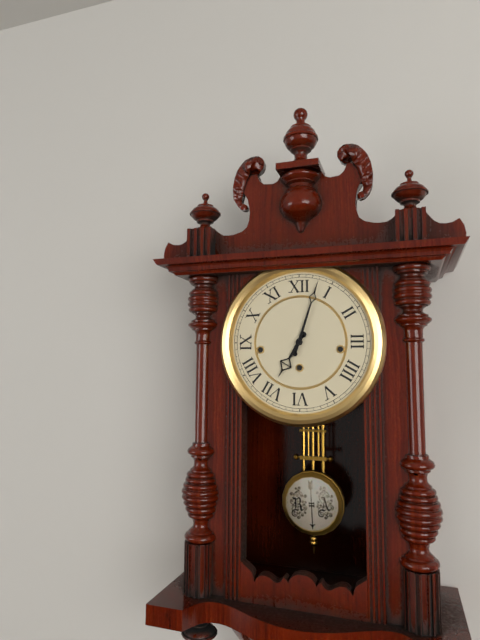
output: h=7 m=3
